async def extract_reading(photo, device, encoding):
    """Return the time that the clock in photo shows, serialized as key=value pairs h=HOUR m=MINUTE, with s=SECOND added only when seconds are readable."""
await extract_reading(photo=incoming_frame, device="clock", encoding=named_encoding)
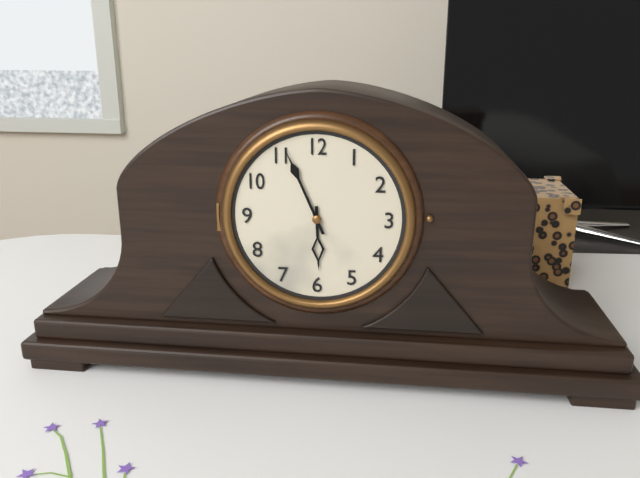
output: h=5 m=56
